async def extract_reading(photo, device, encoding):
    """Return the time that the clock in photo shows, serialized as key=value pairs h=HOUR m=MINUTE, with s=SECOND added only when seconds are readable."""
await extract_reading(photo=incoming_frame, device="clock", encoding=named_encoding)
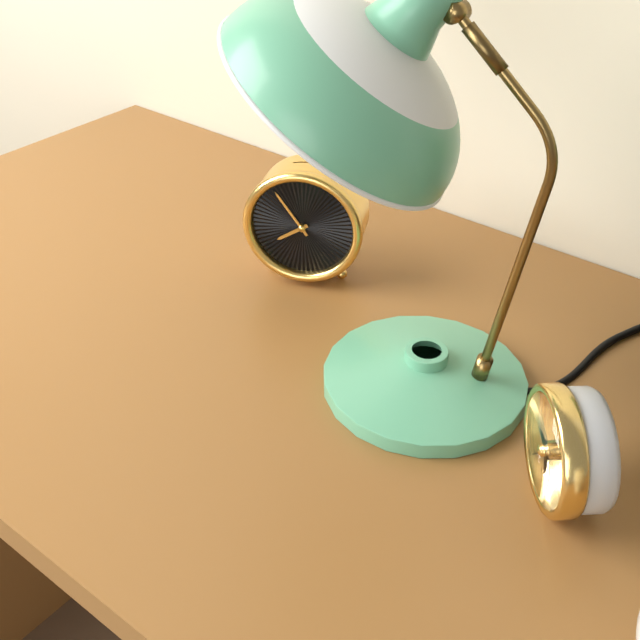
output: h=7 m=54
